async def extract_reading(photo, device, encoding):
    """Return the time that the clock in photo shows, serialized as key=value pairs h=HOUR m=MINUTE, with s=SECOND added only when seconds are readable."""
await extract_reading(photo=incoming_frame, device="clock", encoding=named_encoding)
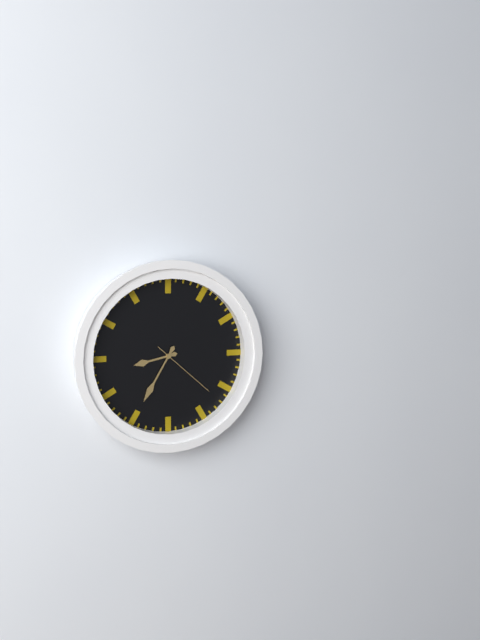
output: h=8 m=35 s=22
